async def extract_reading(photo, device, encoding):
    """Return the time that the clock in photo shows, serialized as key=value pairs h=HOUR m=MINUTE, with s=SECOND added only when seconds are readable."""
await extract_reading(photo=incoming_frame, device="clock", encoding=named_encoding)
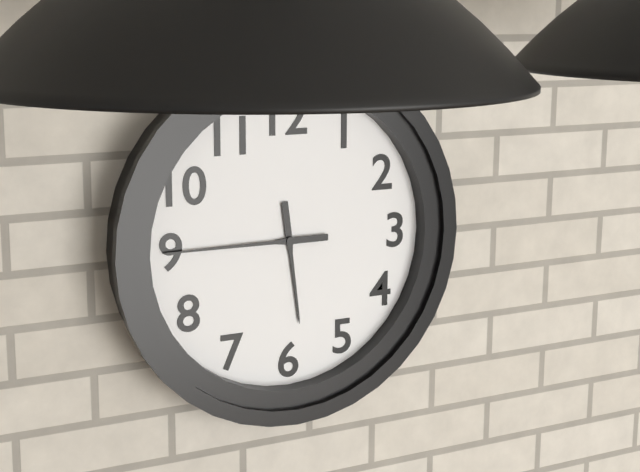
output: h=5 m=45
